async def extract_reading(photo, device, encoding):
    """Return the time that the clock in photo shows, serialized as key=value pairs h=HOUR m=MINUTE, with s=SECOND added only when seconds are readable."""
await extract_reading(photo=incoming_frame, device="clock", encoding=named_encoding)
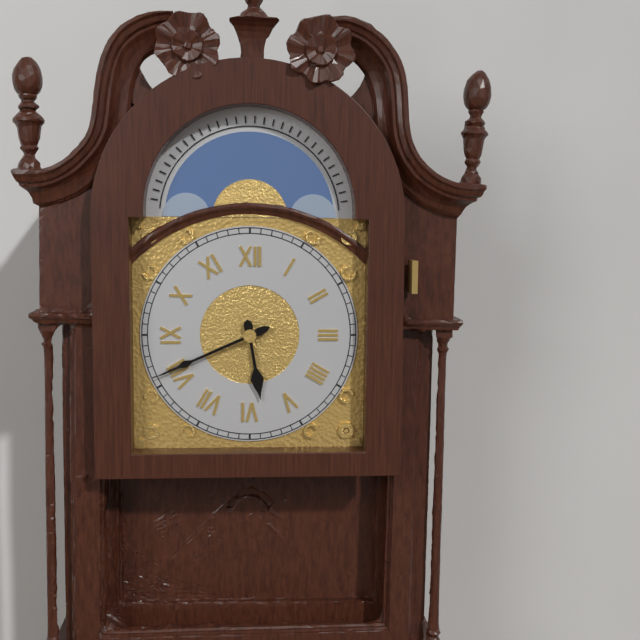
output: h=5 m=41
